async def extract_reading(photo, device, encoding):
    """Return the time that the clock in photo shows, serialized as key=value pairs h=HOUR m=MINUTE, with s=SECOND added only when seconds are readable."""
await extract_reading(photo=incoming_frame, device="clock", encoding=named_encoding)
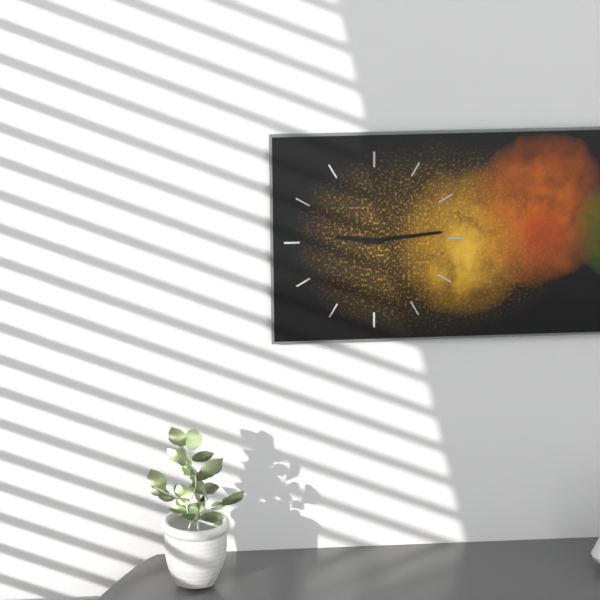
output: h=9 m=14
